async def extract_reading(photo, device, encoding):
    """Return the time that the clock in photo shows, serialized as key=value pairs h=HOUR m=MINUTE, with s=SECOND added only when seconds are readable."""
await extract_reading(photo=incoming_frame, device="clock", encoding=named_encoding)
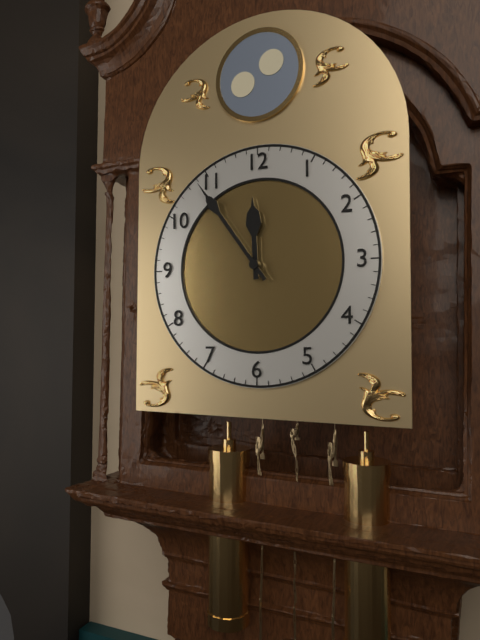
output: h=11 m=54
